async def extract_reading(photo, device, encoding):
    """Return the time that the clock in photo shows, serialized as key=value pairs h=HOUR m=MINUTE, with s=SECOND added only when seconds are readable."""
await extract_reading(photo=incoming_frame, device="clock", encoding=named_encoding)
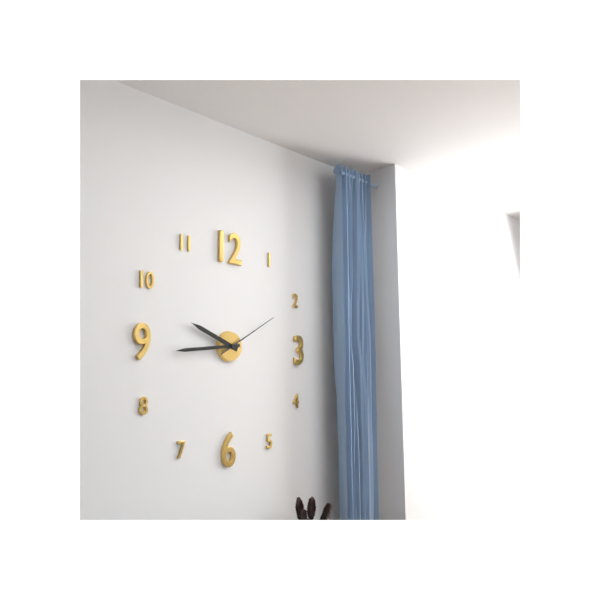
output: h=9 m=44 s=10
